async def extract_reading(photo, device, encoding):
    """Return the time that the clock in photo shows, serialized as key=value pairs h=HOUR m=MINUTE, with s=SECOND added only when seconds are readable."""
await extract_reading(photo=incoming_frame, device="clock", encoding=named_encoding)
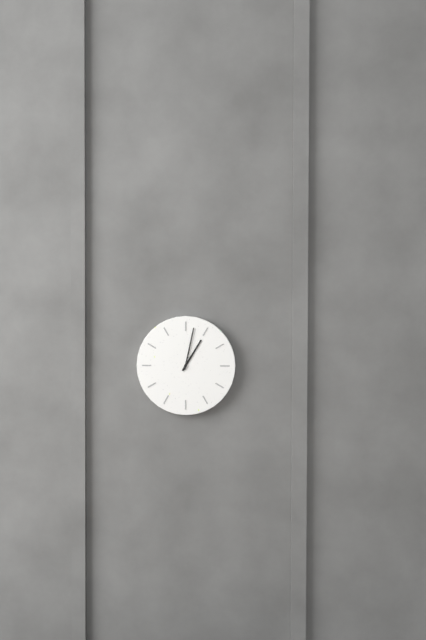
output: h=1 m=2
